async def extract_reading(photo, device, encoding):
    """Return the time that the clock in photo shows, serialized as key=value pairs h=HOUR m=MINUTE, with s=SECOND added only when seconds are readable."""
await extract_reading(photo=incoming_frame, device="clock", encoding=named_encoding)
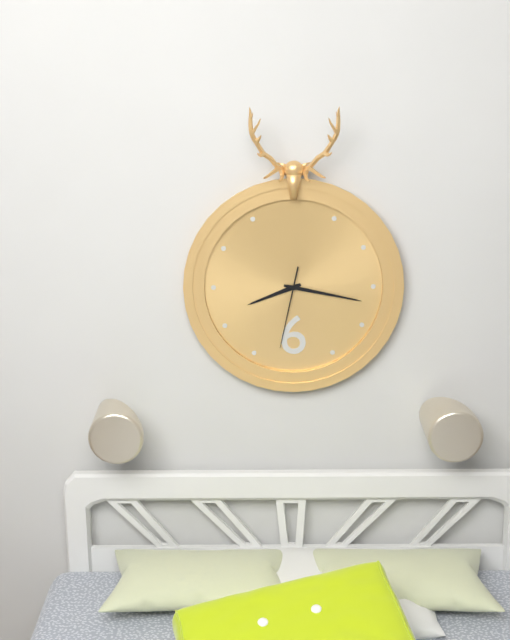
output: h=8 m=17 s=32
